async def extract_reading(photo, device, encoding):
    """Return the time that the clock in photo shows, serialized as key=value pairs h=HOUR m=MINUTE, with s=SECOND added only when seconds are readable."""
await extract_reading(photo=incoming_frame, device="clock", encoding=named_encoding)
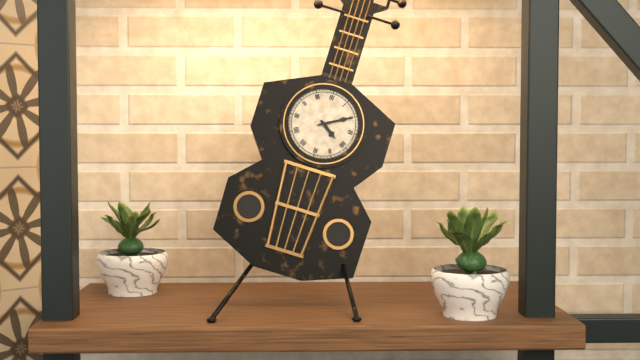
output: h=4 m=10
